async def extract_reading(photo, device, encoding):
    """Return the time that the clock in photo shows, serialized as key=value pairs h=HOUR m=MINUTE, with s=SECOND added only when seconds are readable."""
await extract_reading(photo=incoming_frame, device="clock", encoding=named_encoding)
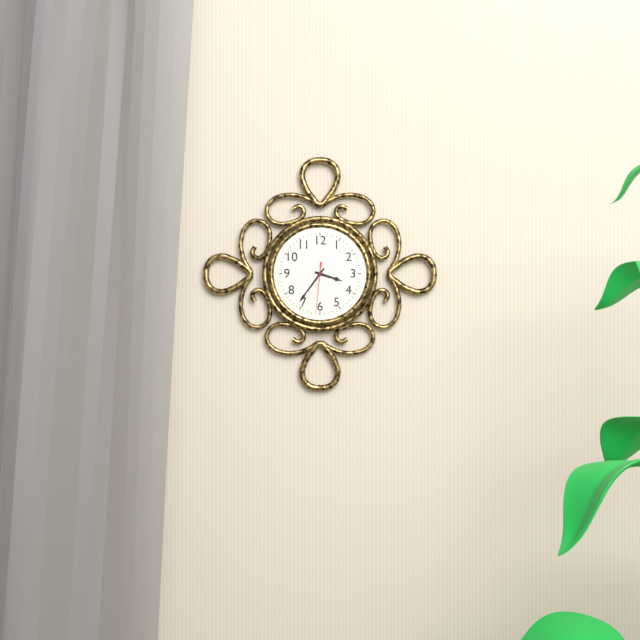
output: h=3 m=36
